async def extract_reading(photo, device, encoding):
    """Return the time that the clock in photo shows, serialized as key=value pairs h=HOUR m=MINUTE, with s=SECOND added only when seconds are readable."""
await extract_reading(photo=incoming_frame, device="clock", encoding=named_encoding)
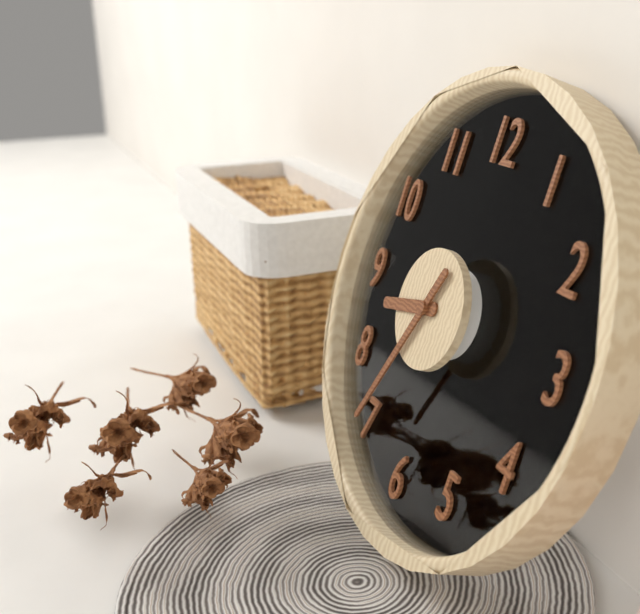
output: h=8 m=34
